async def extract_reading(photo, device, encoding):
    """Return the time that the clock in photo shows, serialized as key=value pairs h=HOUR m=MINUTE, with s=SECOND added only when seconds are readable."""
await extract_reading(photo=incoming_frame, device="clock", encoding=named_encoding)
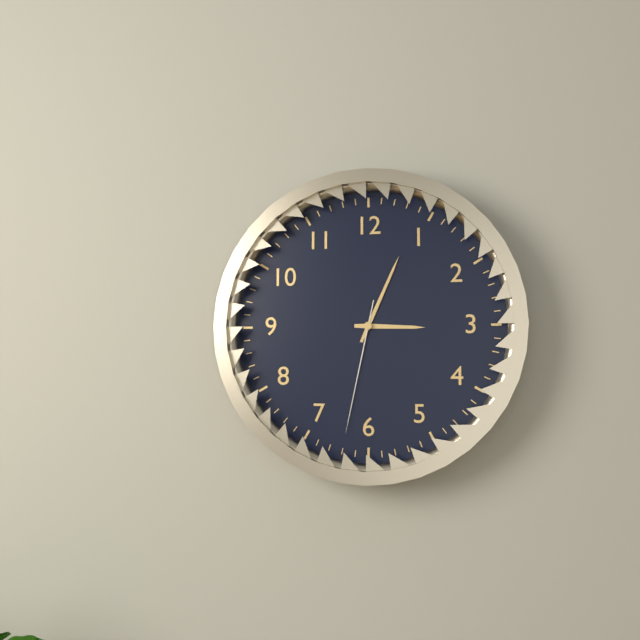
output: h=3 m=4 s=32
